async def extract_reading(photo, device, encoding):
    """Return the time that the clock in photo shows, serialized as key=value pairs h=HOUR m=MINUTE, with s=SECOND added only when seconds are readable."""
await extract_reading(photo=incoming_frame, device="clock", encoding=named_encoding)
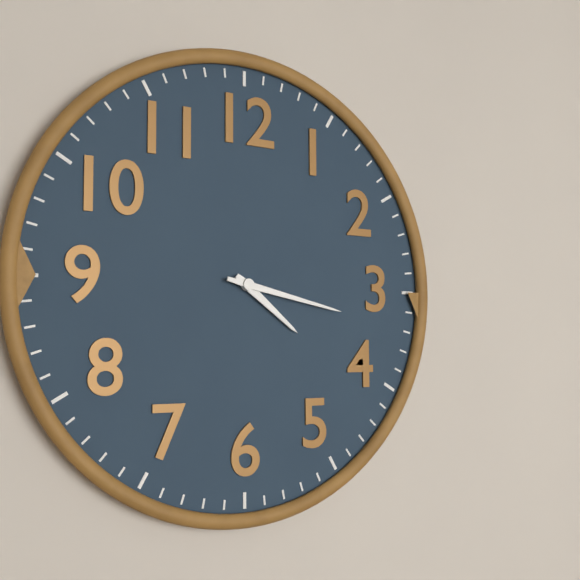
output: h=4 m=17
